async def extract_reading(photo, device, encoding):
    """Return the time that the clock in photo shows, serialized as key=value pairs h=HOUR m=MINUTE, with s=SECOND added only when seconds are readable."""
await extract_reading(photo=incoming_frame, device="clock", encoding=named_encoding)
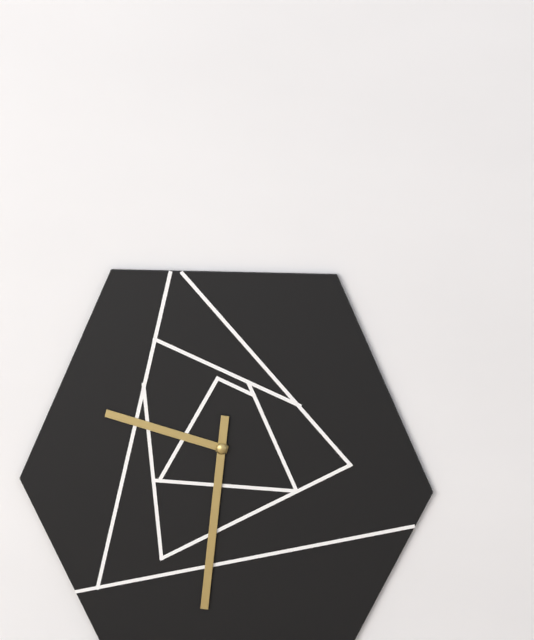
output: h=9 m=31
